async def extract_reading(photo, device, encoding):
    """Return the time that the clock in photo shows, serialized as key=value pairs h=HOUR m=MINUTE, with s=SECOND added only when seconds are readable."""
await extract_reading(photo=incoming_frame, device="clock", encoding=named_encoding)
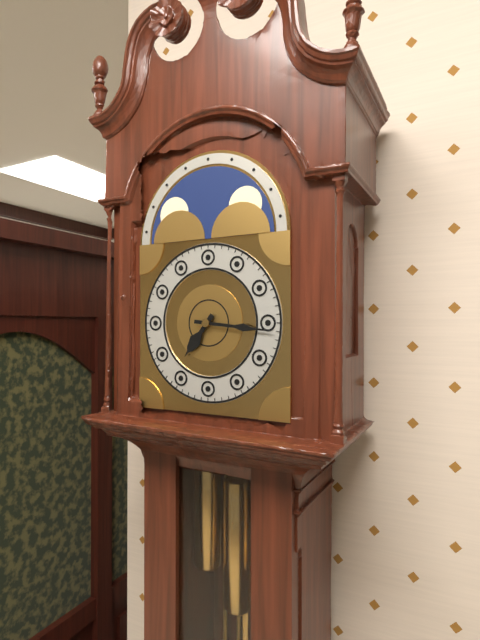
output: h=7 m=16
